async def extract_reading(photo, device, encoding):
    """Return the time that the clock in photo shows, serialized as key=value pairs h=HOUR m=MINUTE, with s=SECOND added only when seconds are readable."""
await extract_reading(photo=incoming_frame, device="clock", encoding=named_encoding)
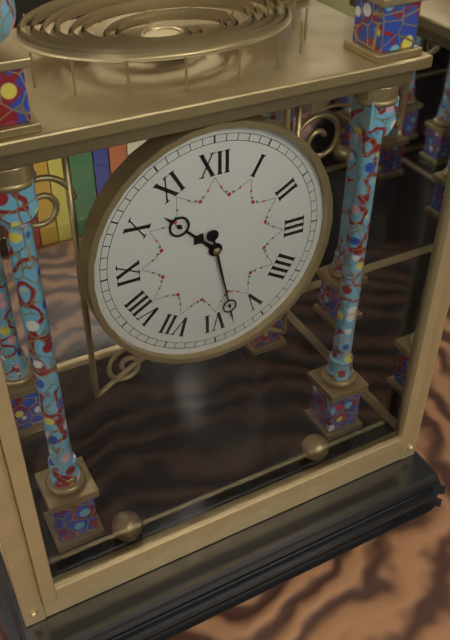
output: h=10 m=28
